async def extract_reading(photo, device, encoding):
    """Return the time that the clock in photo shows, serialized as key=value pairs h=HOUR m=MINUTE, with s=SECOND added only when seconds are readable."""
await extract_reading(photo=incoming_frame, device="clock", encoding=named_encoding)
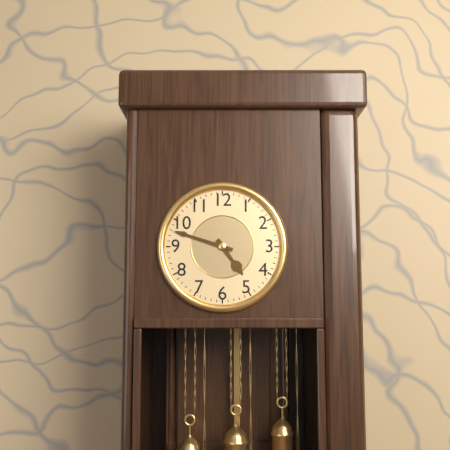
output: h=4 m=48
